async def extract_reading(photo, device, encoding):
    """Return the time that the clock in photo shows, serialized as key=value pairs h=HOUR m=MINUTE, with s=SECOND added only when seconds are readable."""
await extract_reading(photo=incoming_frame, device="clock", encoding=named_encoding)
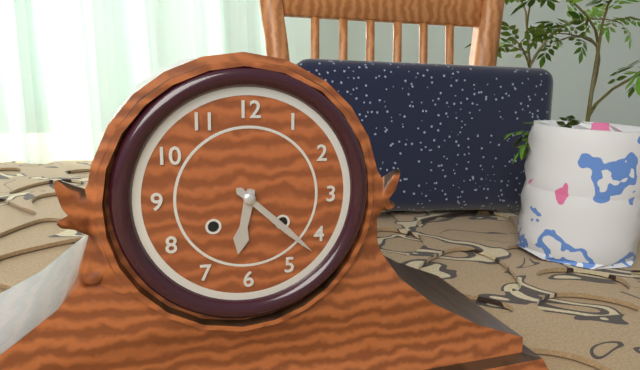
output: h=6 m=22
